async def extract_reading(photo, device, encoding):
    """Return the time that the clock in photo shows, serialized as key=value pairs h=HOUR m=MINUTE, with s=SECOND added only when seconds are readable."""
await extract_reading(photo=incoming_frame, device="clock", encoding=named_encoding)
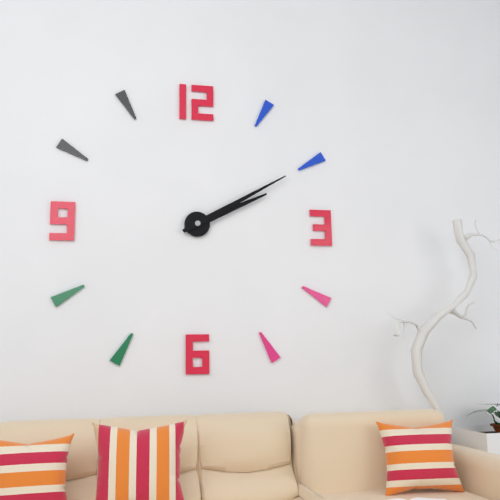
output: h=2 m=10
